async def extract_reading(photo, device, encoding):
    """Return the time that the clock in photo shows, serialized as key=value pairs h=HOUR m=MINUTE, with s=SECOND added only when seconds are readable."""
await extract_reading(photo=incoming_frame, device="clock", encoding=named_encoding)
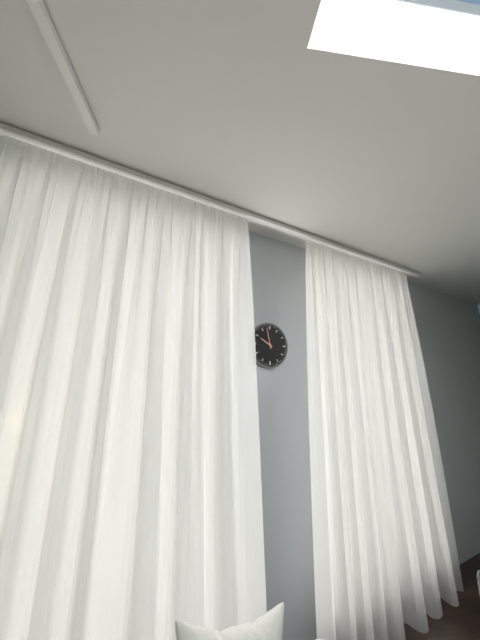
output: h=9 m=58
